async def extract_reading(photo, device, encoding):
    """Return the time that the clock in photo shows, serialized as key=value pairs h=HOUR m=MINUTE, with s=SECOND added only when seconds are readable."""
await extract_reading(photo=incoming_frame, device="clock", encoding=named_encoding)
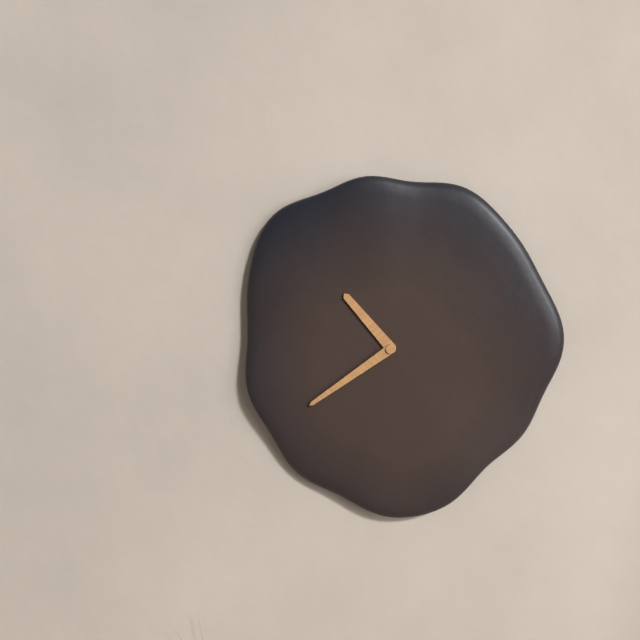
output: h=10 m=39
